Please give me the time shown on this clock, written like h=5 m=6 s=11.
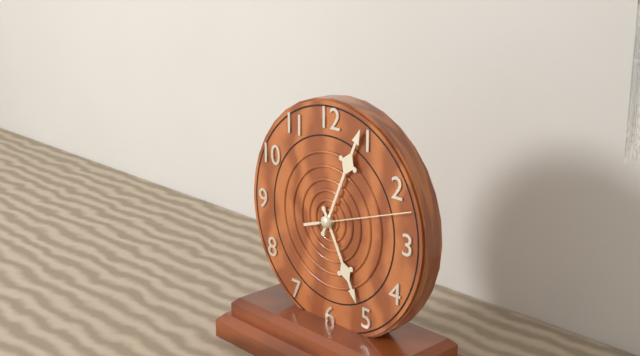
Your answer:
h=5 m=4 s=12
